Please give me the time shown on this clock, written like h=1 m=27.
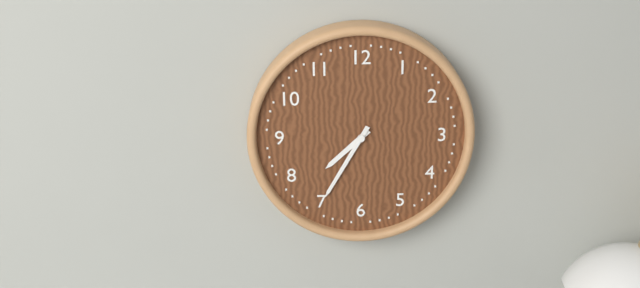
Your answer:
h=7 m=35
